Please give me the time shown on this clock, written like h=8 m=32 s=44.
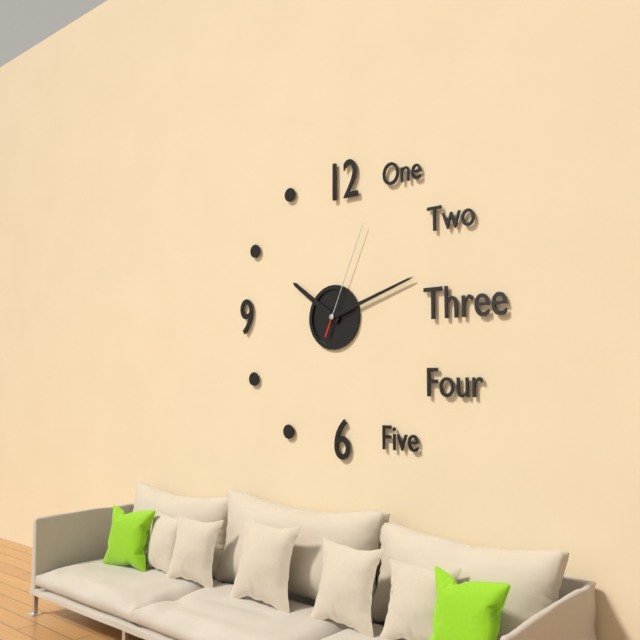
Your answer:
h=10 m=12 s=4
